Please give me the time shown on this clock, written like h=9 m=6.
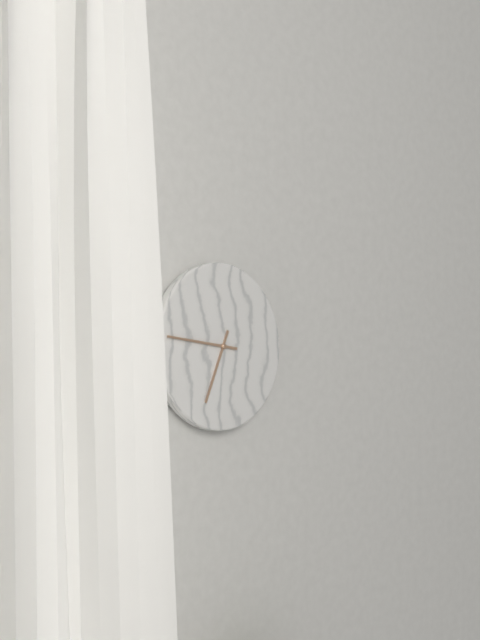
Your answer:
h=6 m=46
